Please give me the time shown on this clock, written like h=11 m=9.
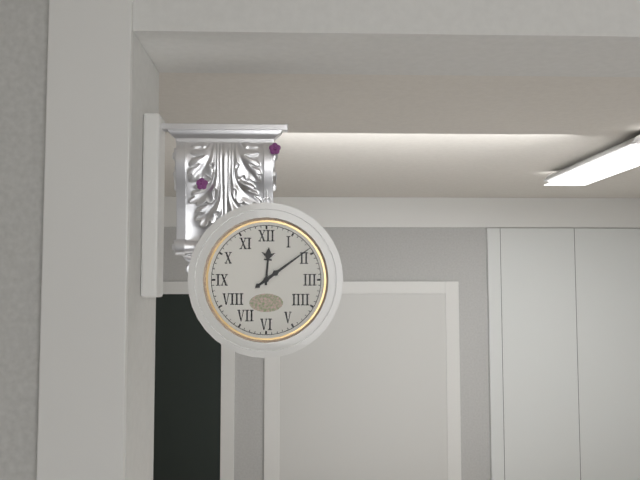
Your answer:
h=12 m=9
